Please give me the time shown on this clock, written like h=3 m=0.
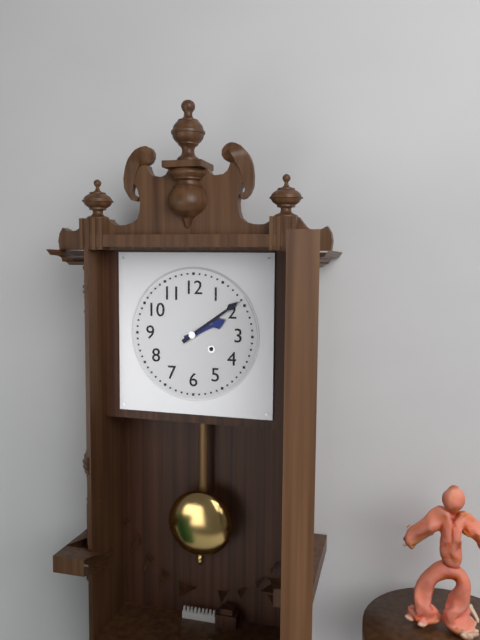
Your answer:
h=2 m=9
